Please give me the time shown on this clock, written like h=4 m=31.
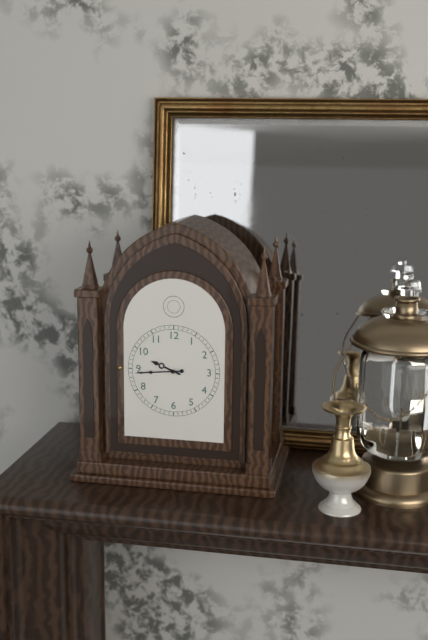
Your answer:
h=9 m=44
